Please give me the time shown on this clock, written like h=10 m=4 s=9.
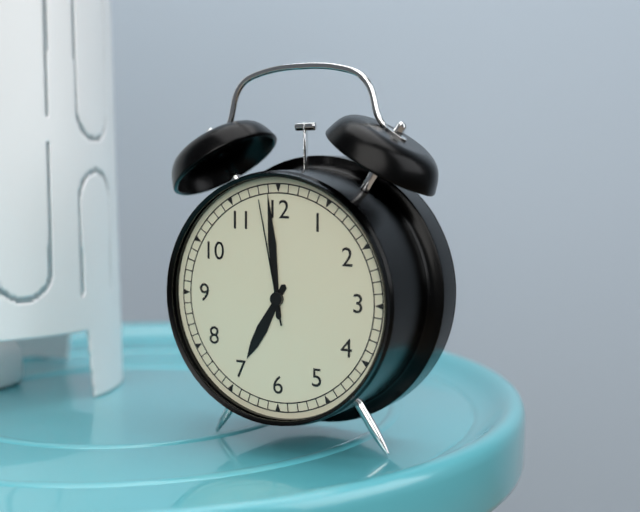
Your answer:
h=6 m=59 s=58
